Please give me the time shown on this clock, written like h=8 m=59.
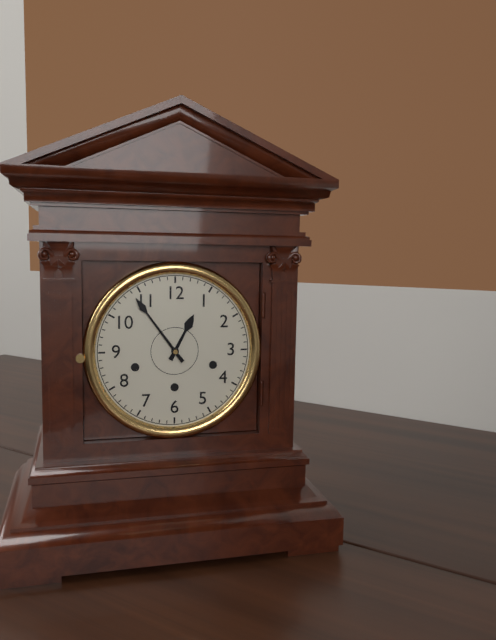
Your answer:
h=12 m=54
